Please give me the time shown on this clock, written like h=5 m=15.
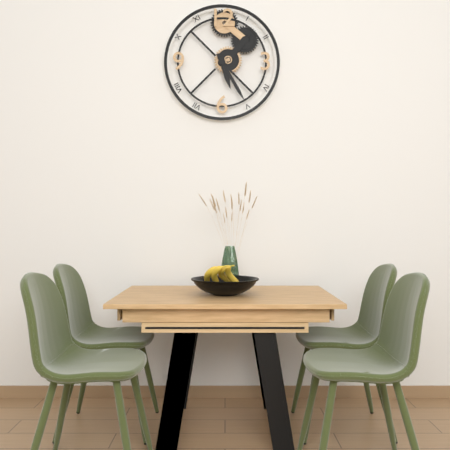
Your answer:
h=5 m=25
